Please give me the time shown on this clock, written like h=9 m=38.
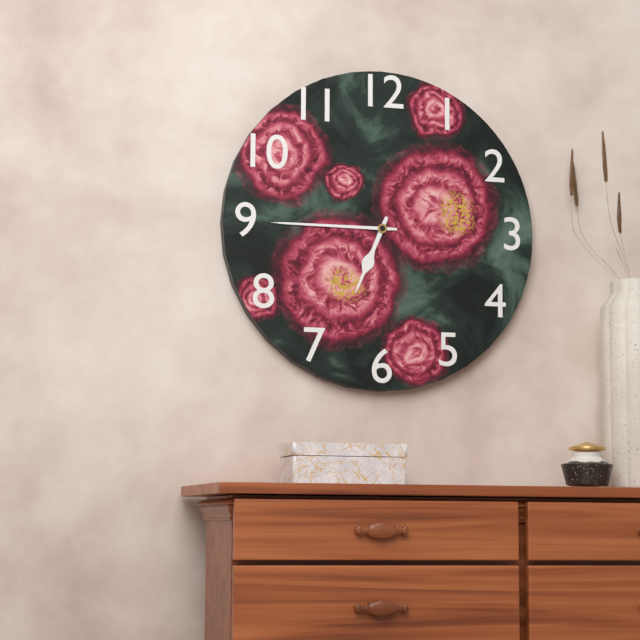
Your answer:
h=6 m=45
